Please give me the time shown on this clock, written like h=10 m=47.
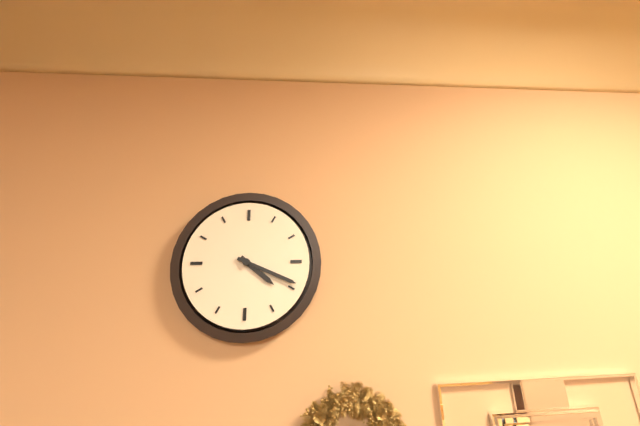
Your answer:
h=4 m=19
